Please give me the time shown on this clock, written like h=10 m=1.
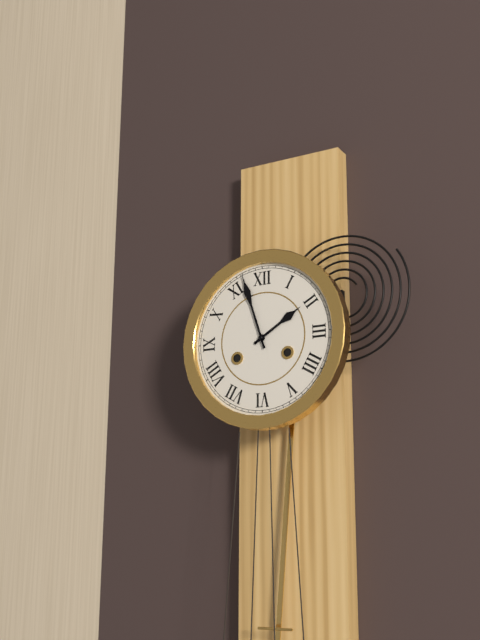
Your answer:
h=1 m=57
